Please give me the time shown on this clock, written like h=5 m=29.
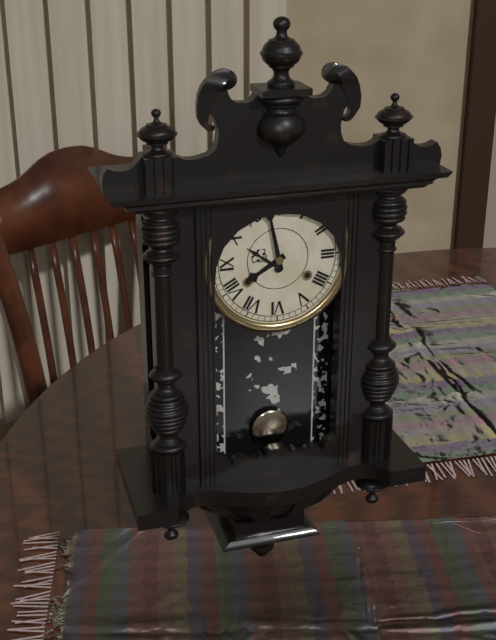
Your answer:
h=7 m=58
